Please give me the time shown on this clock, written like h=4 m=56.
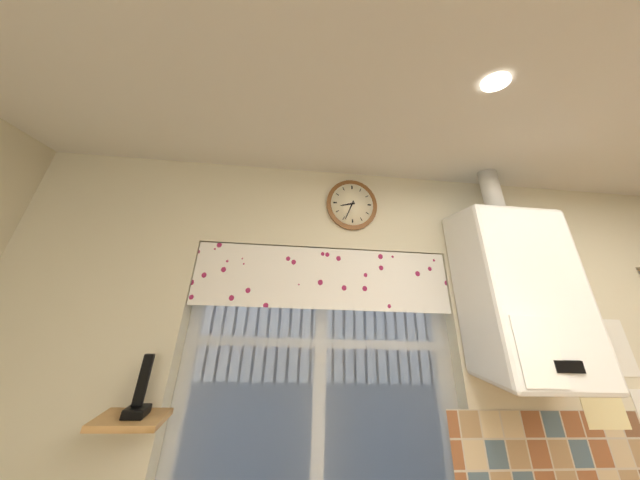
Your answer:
h=8 m=34
